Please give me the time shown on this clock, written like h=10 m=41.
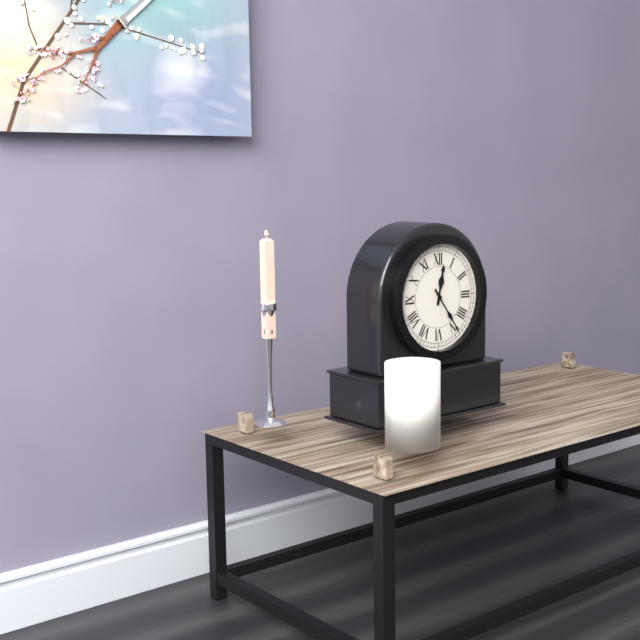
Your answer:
h=12 m=24
